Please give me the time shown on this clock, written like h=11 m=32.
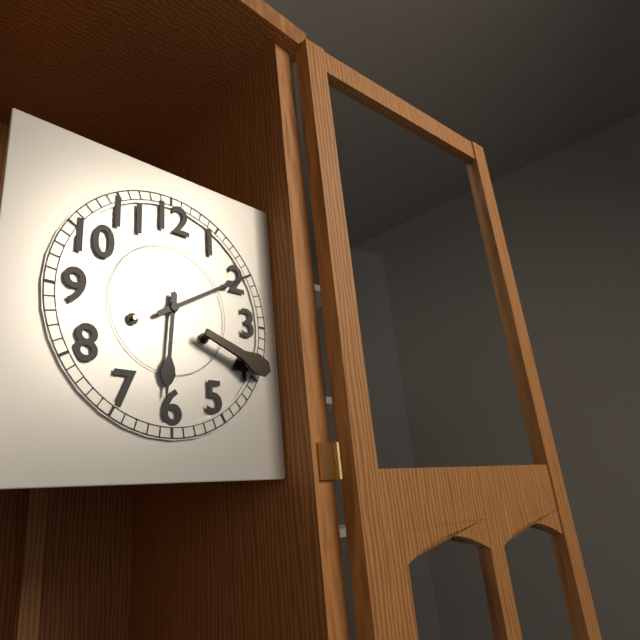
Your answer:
h=6 m=10
